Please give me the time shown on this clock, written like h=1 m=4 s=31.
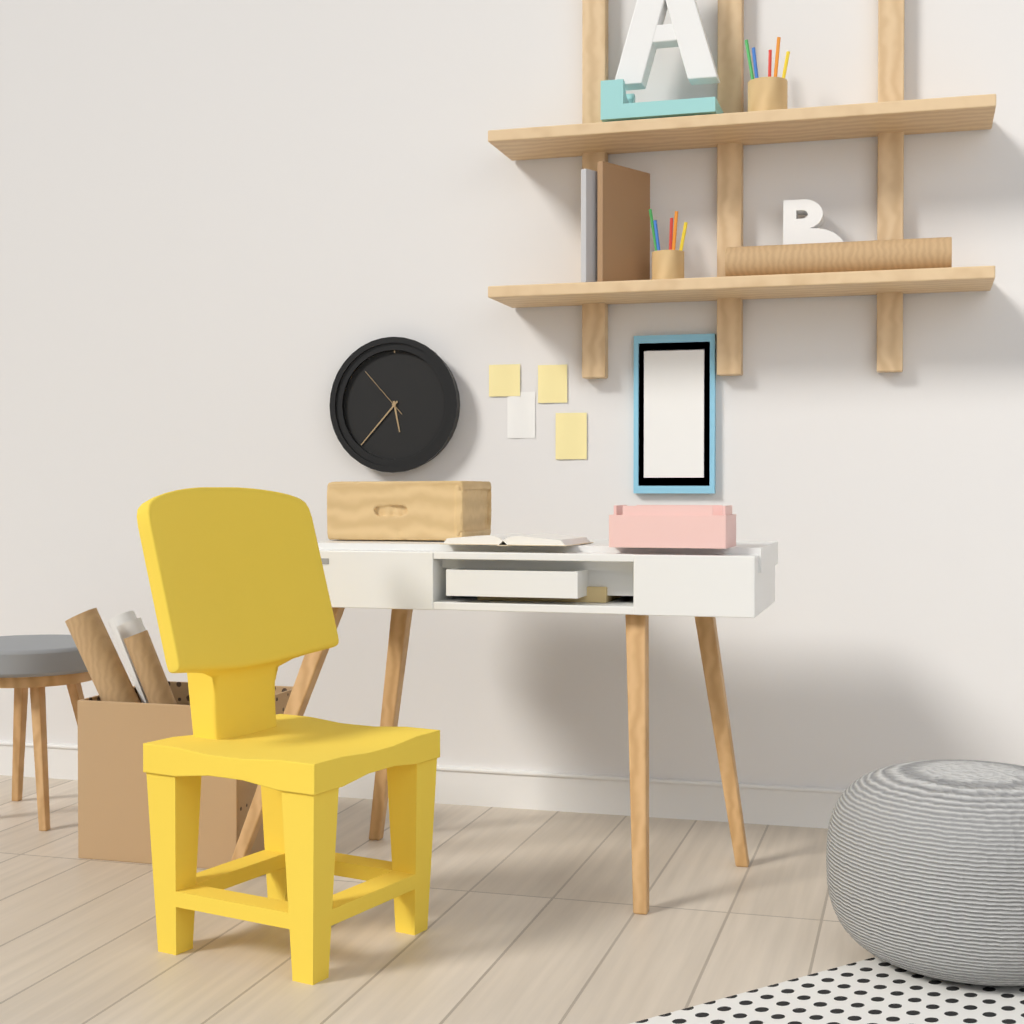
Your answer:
h=5 m=37 s=53
